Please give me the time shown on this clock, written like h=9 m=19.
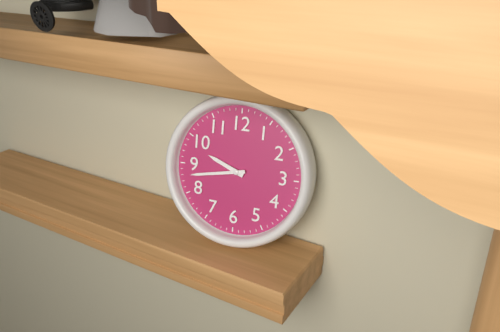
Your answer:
h=9 m=43
